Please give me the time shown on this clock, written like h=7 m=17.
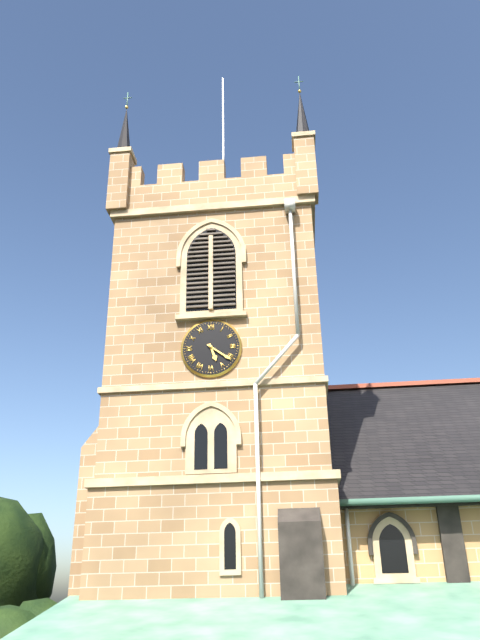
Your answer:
h=5 m=21
